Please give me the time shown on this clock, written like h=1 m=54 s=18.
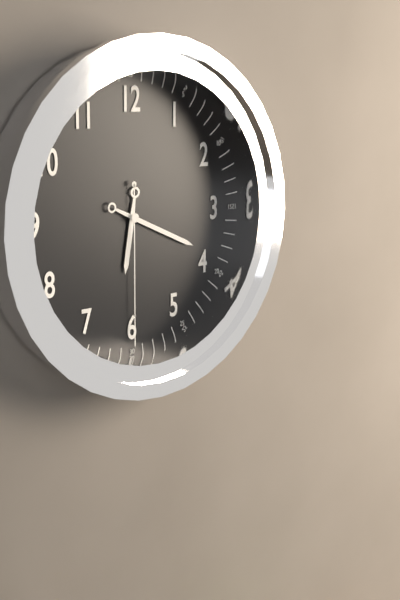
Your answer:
h=6 m=19 s=30
